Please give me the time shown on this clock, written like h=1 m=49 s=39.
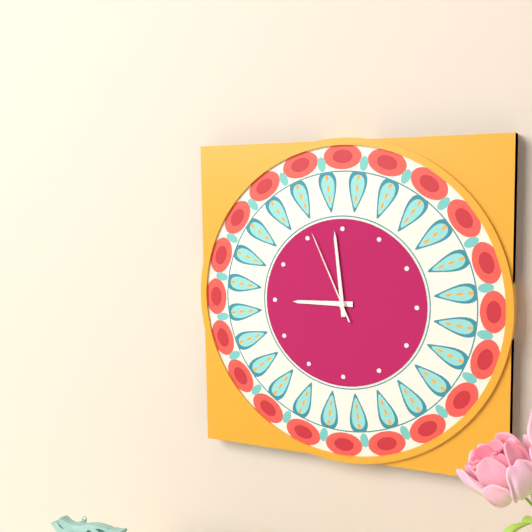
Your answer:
h=8 m=59 s=56
